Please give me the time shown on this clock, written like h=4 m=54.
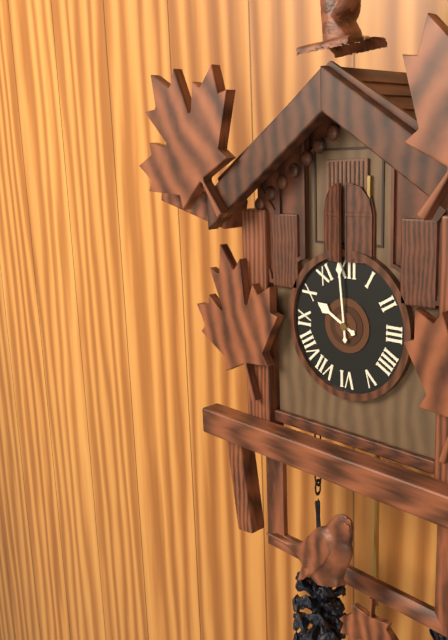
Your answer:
h=9 m=59
